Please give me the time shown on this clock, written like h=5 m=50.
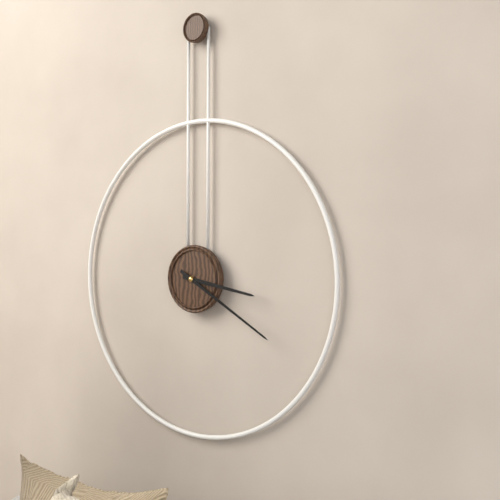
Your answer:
h=3 m=20
